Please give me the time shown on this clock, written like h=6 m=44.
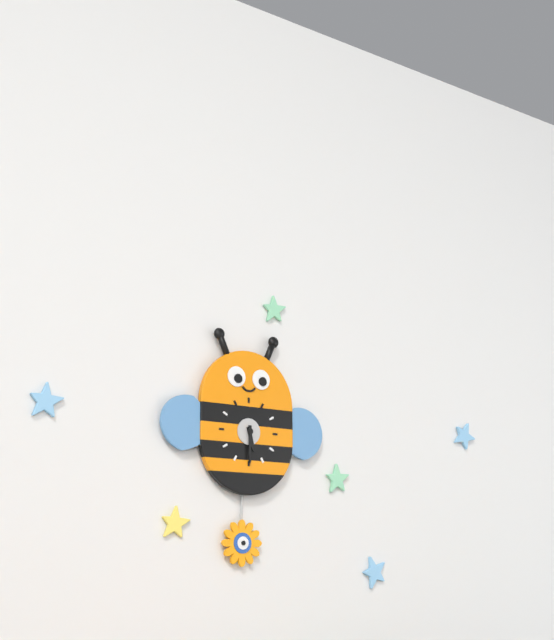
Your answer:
h=5 m=30
